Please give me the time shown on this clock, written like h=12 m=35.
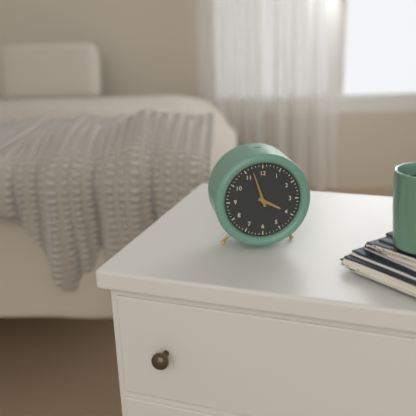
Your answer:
h=3 m=57
